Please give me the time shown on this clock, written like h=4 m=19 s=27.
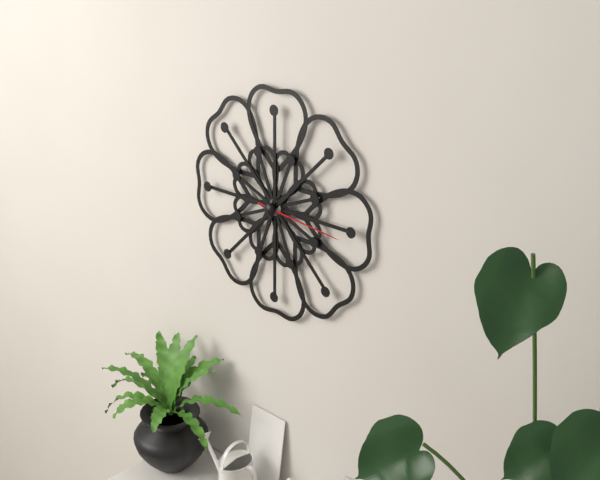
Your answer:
h=1 m=33 s=16
